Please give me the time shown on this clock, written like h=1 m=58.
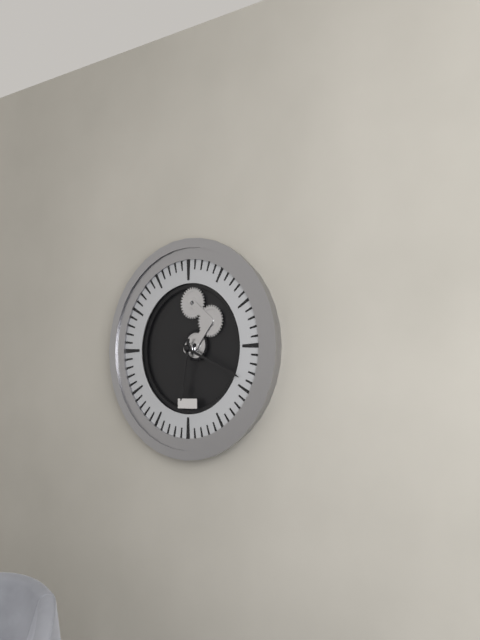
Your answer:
h=6 m=19
